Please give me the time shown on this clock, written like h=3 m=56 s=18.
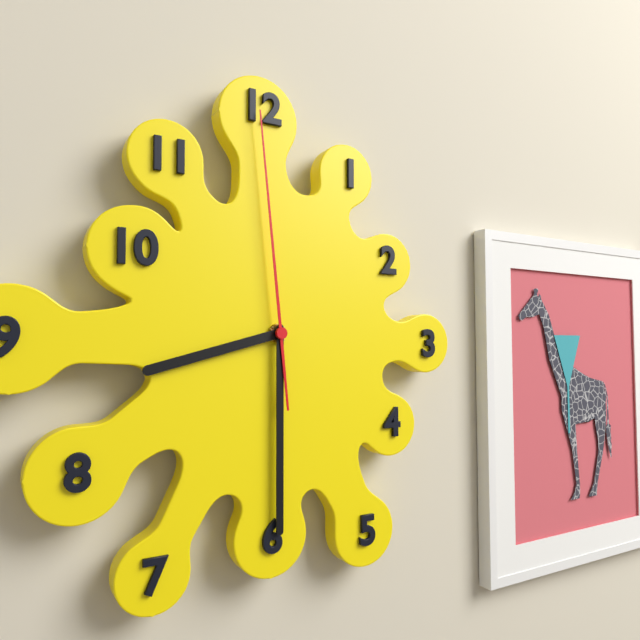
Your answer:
h=8 m=30 s=59
